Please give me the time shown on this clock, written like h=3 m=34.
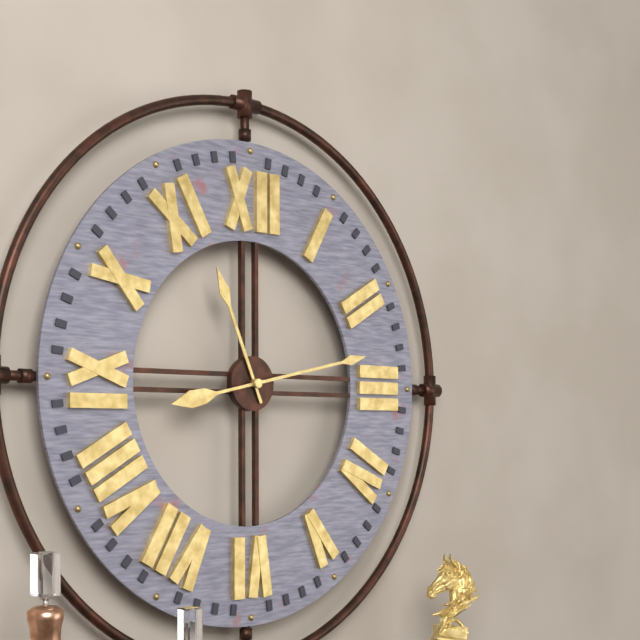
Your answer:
h=11 m=13
